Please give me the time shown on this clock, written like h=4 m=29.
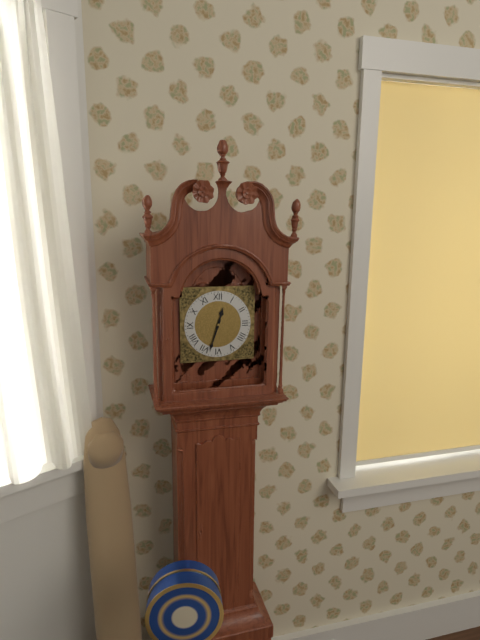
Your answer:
h=12 m=33
